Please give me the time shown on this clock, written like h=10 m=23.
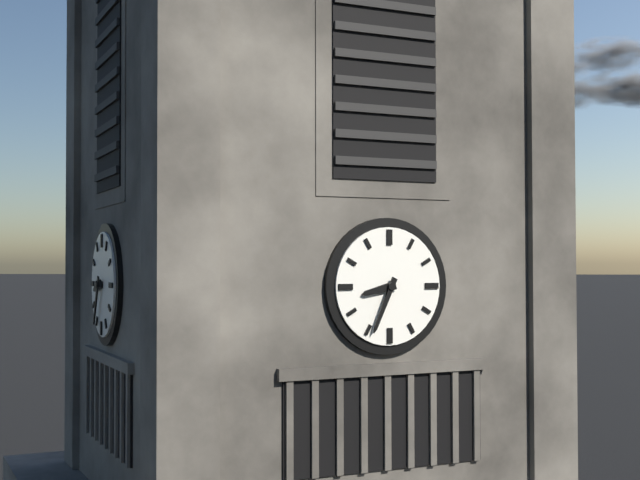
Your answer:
h=8 m=34
